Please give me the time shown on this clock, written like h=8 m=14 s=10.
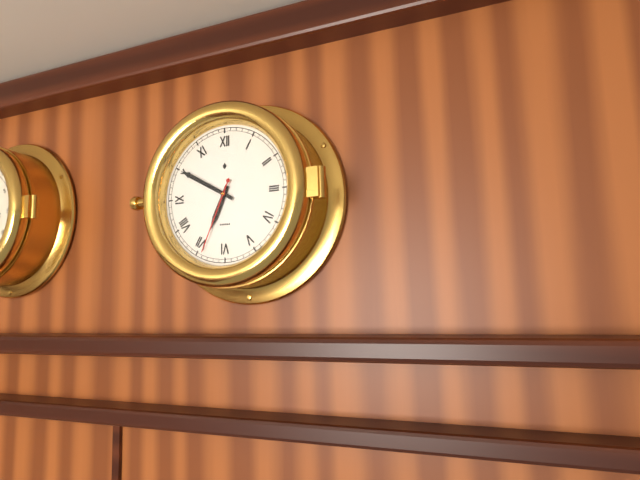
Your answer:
h=6 m=50 s=34
